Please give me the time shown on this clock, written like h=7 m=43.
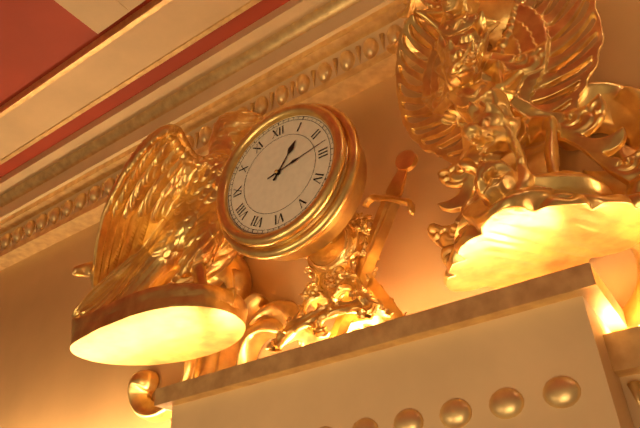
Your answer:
h=1 m=13
